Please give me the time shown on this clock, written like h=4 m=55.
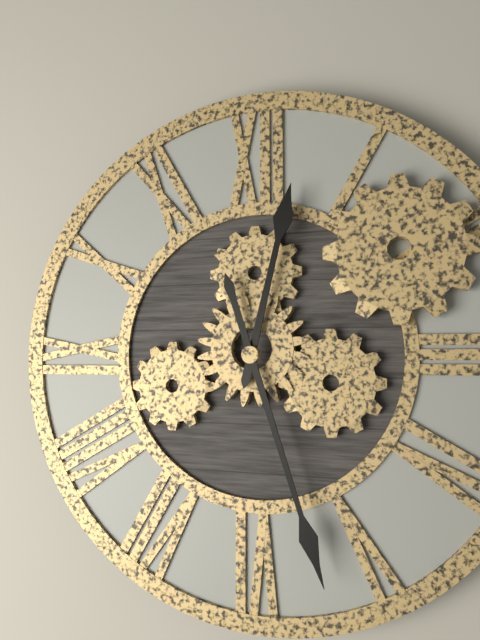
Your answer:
h=12 m=27
